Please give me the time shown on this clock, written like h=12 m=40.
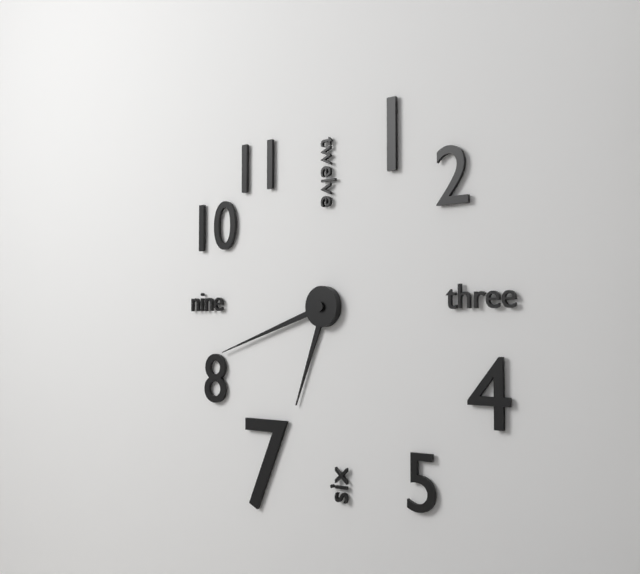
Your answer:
h=6 m=42
